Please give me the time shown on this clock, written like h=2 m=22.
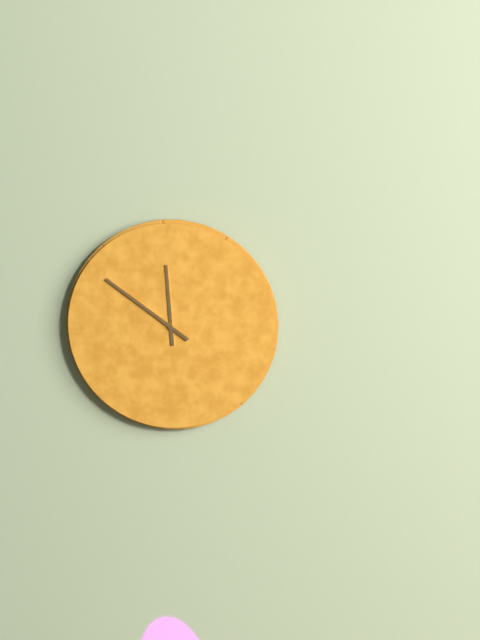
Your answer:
h=11 m=51
